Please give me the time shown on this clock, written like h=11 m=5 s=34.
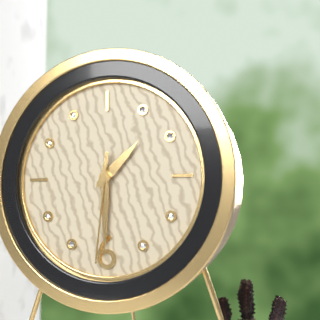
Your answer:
h=1 m=30 s=31
